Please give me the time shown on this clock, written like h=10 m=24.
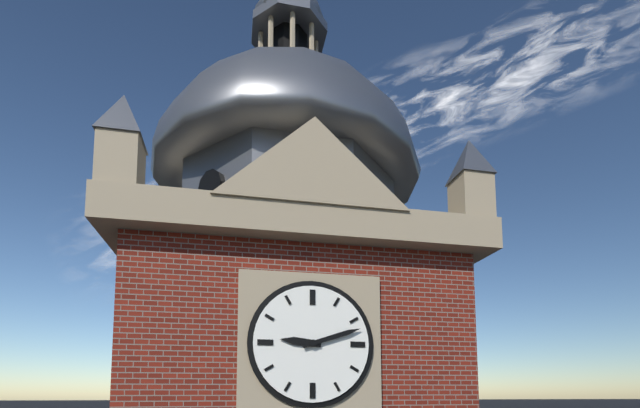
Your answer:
h=9 m=12
